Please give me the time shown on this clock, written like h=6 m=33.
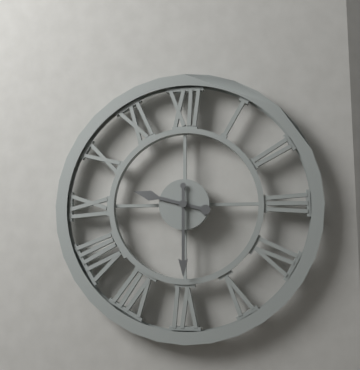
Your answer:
h=9 m=30
